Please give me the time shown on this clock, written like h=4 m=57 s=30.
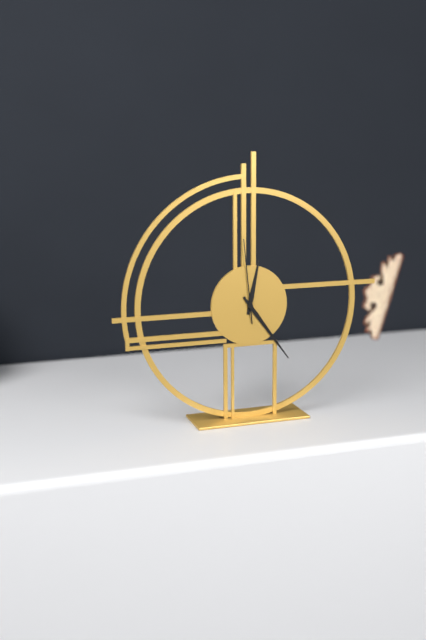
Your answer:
h=12 m=24 s=59
